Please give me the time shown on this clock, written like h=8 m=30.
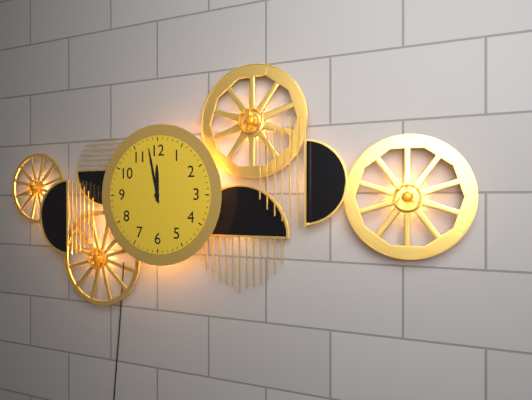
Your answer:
h=11 m=58
